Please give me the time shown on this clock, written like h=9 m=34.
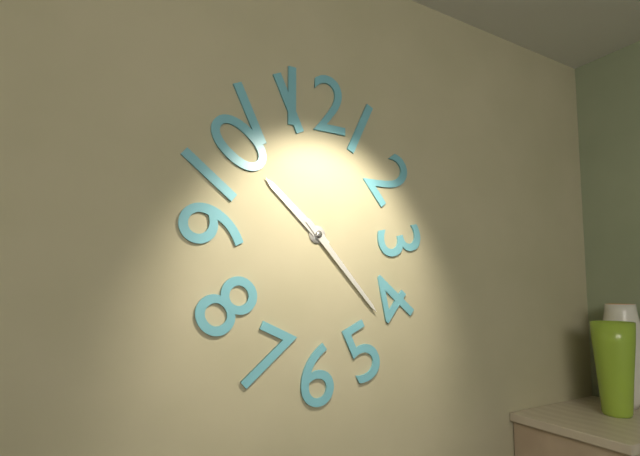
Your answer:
h=10 m=23
